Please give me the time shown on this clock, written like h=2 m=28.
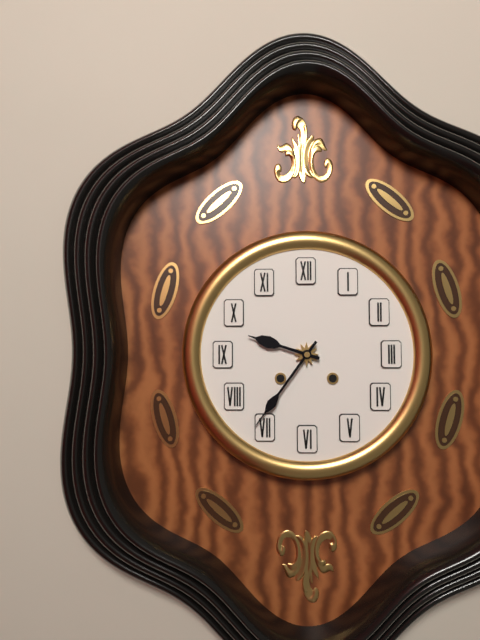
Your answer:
h=9 m=36
